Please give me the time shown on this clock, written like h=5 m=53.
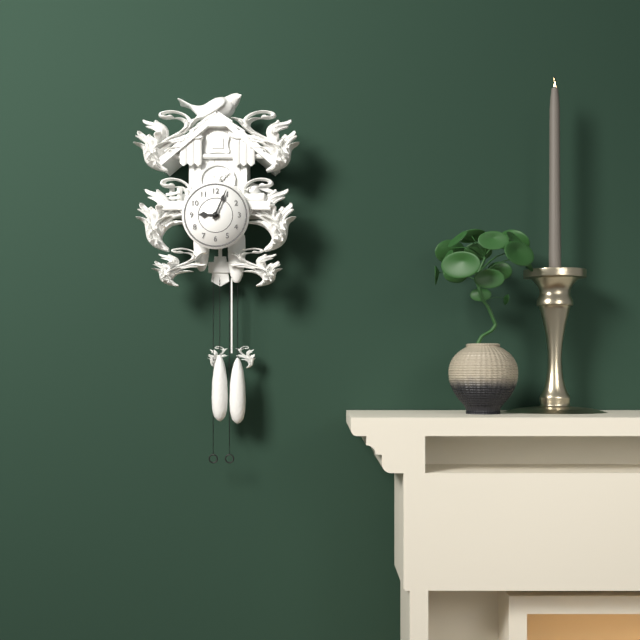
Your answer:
h=9 m=4
